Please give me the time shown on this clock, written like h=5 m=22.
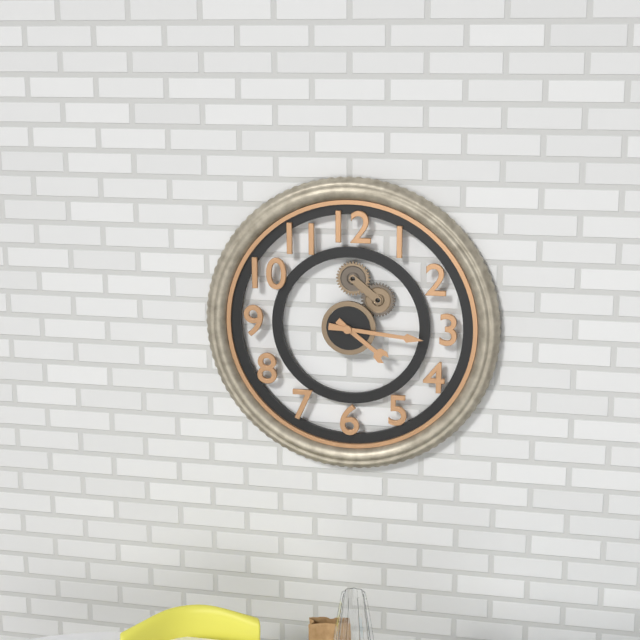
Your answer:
h=4 m=16
